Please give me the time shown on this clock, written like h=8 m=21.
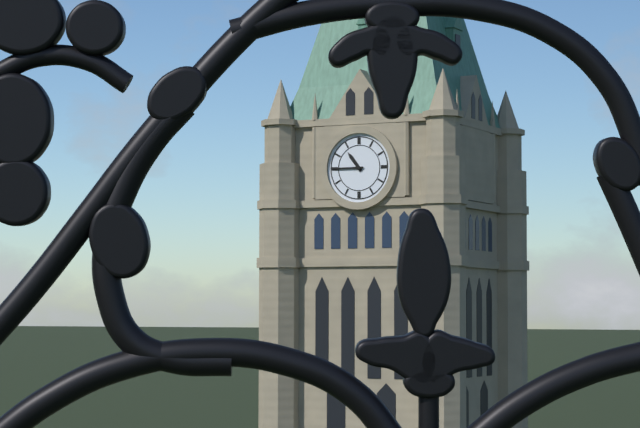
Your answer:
h=10 m=45
